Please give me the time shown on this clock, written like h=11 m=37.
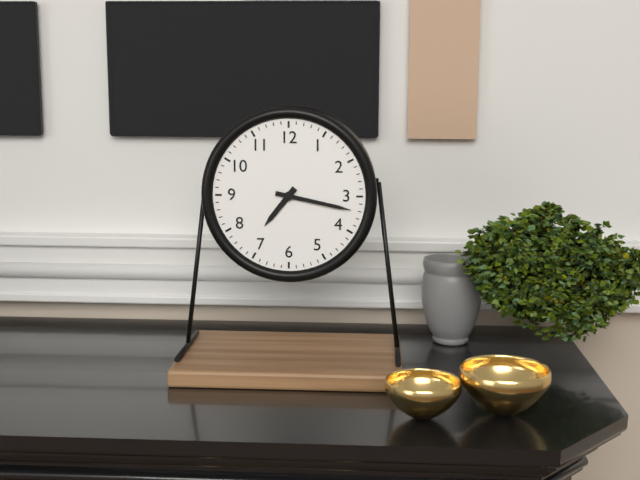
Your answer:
h=7 m=17
